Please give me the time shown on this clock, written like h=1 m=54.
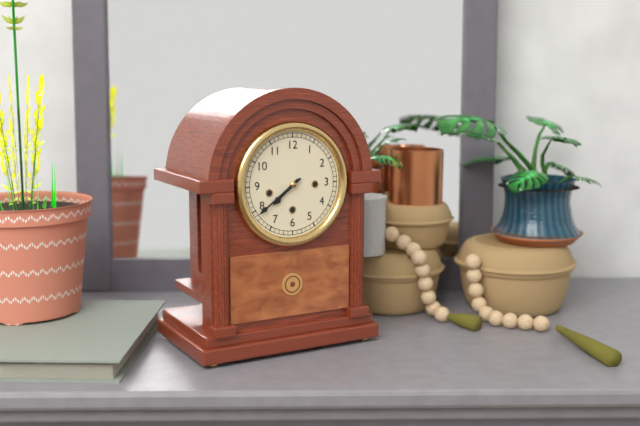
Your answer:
h=7 m=39
